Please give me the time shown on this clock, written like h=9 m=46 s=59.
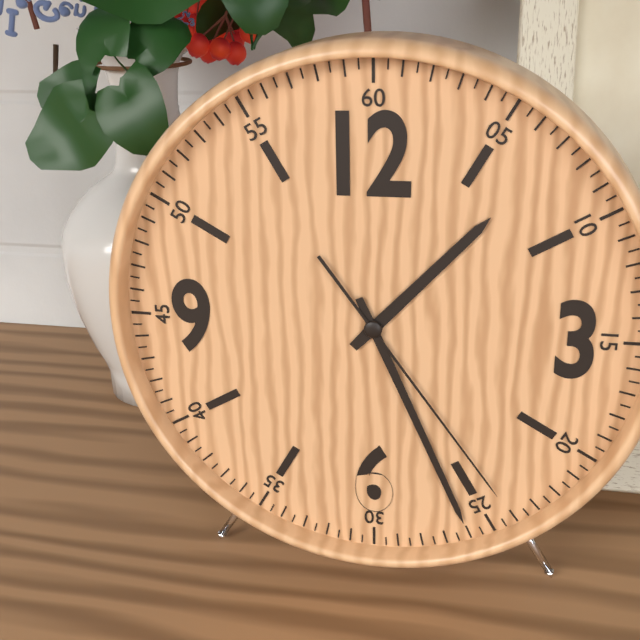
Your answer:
h=1 m=26 s=24
